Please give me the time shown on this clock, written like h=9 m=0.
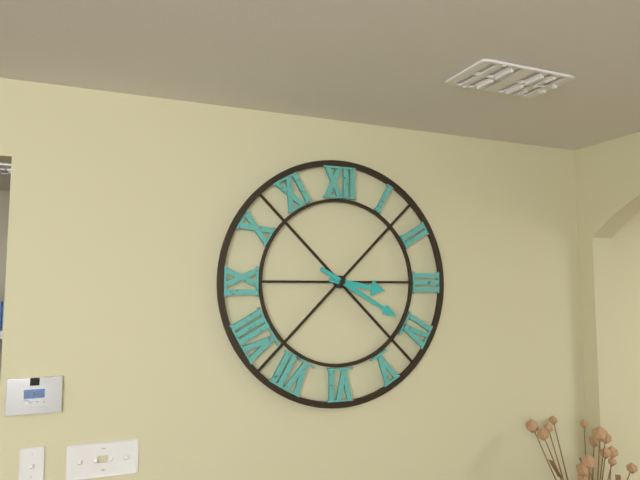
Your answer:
h=3 m=20
